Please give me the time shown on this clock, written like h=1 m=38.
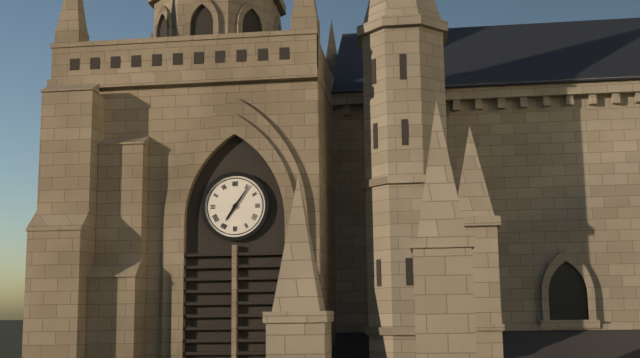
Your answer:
h=7 m=6
